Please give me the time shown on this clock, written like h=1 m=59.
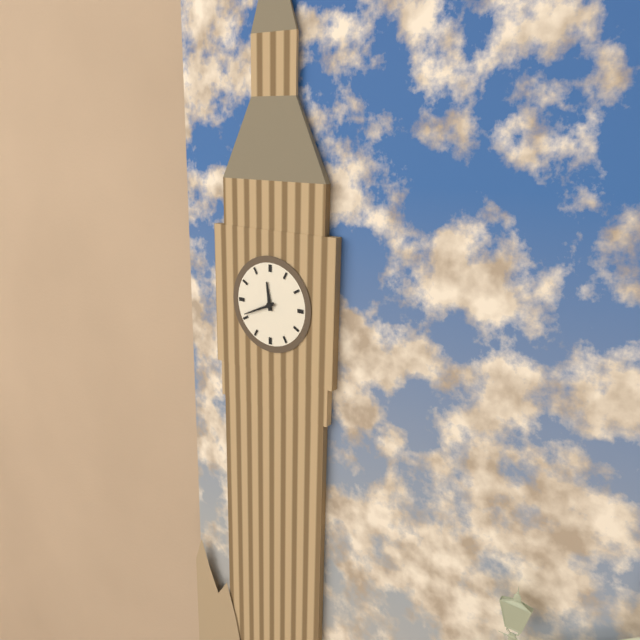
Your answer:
h=11 m=41
